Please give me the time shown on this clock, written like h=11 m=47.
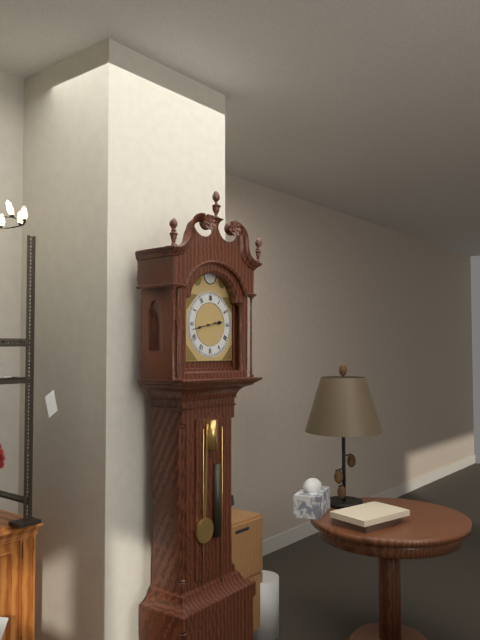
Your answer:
h=2 m=43
